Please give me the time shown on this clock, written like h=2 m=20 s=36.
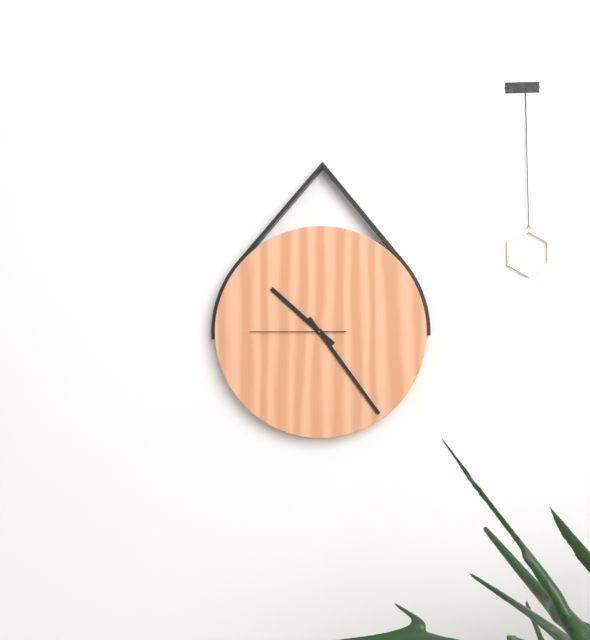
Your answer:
h=10 m=24 s=45
